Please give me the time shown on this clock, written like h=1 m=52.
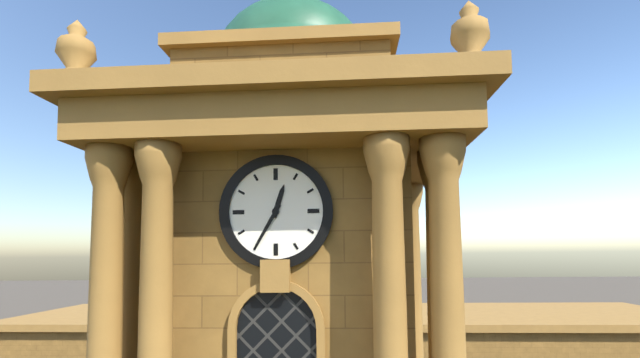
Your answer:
h=12 m=35
